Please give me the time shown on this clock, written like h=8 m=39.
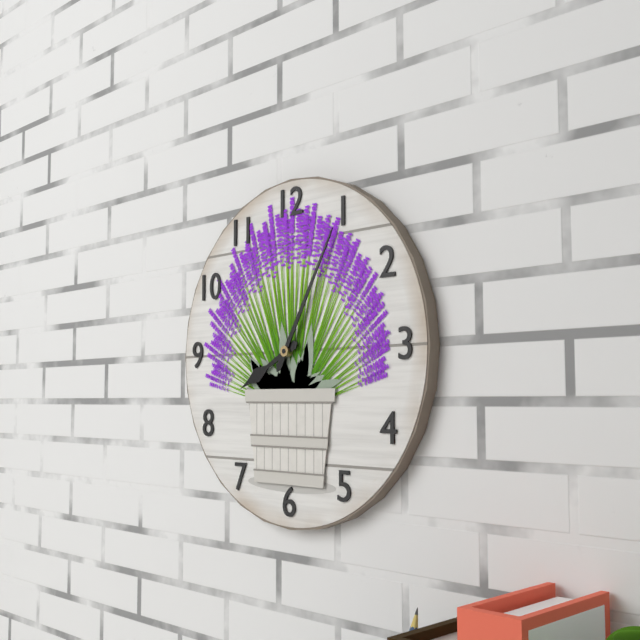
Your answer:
h=8 m=5
